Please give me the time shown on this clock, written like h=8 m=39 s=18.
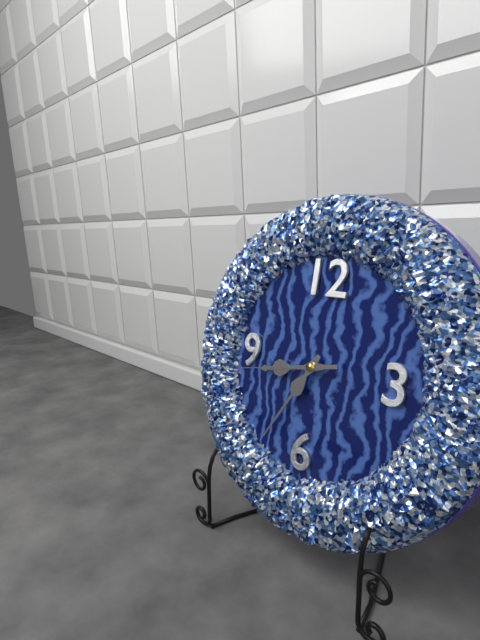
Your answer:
h=8 m=35 s=43
